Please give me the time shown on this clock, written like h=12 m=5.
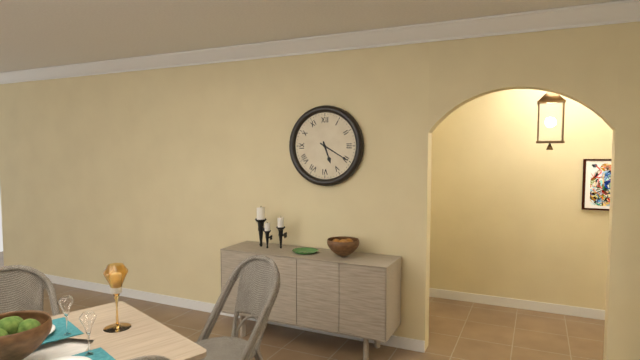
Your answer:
h=5 m=20
